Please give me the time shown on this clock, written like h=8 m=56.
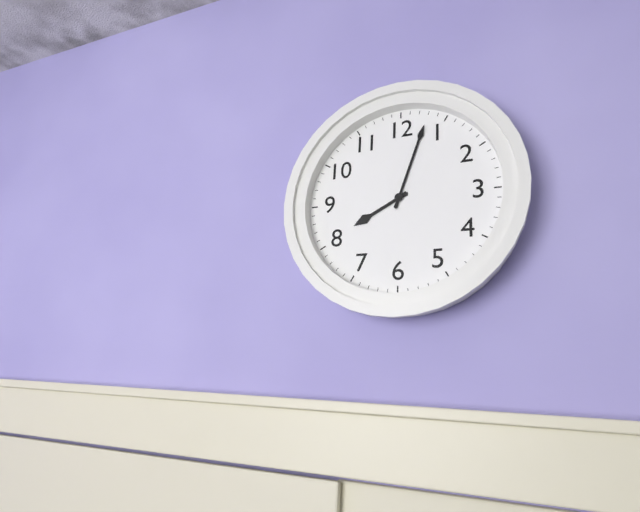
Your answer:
h=8 m=3
